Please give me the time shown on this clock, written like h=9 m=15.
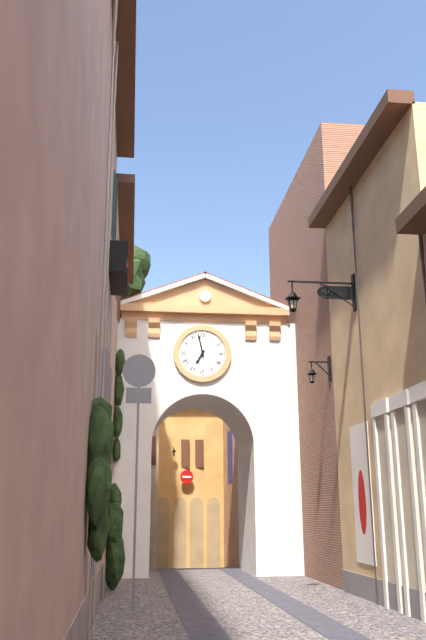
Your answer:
h=6 m=58
